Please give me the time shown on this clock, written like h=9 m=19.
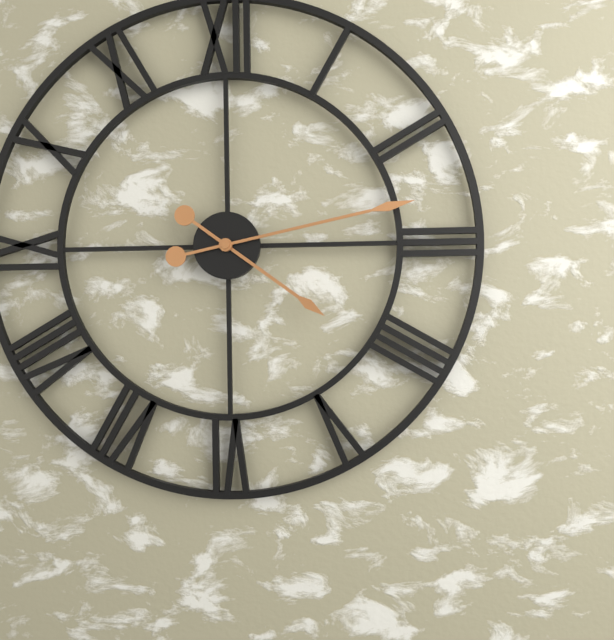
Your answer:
h=4 m=13
